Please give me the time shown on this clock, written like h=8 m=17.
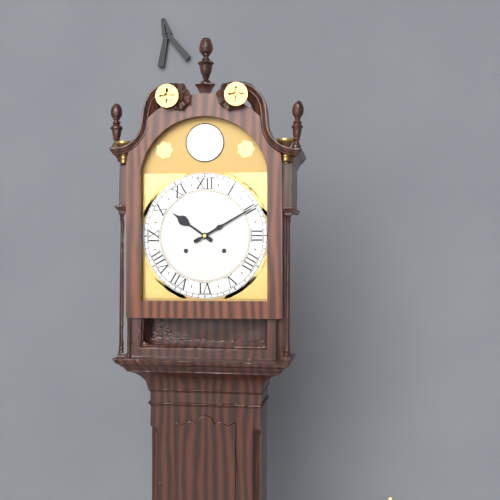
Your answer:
h=10 m=10
